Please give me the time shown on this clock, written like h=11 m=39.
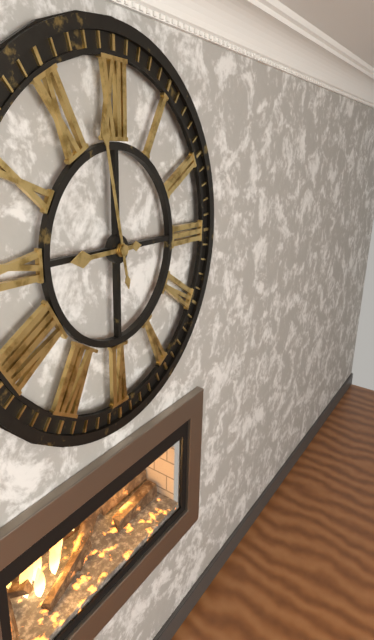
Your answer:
h=8 m=58
